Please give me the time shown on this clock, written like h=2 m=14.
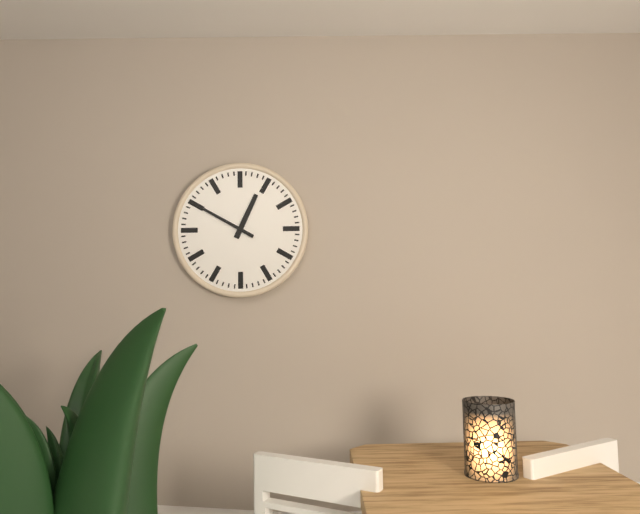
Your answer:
h=12 m=50
